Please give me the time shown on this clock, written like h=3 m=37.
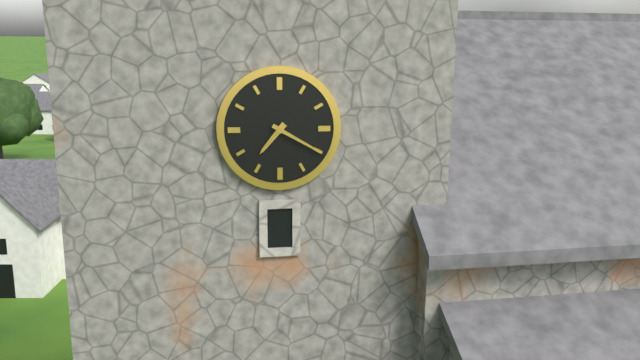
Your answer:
h=7 m=20
